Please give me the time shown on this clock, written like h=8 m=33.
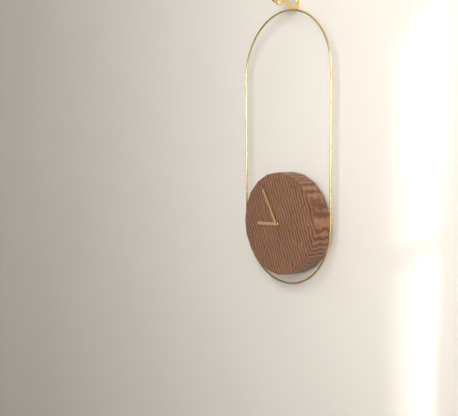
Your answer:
h=8 m=55
